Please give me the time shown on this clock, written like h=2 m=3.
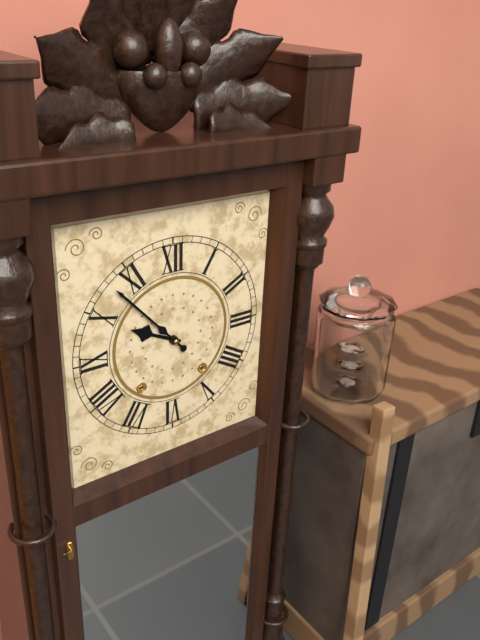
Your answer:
h=9 m=53
